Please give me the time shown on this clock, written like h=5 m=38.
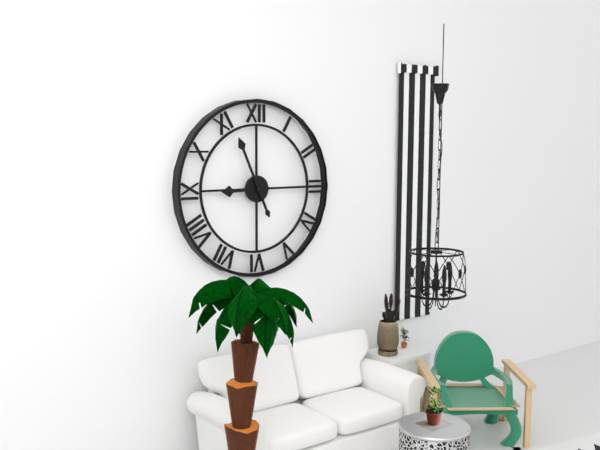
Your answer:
h=8 m=56
